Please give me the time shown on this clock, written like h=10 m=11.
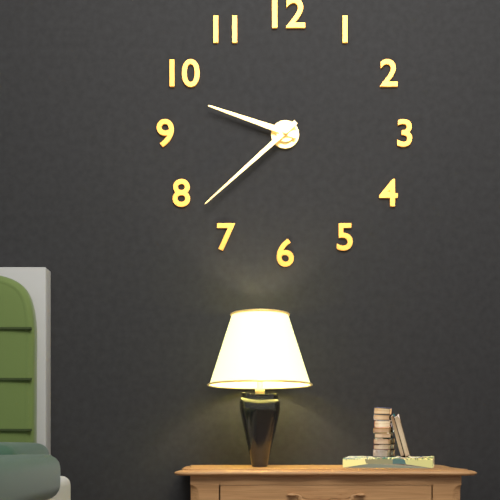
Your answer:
h=9 m=38
